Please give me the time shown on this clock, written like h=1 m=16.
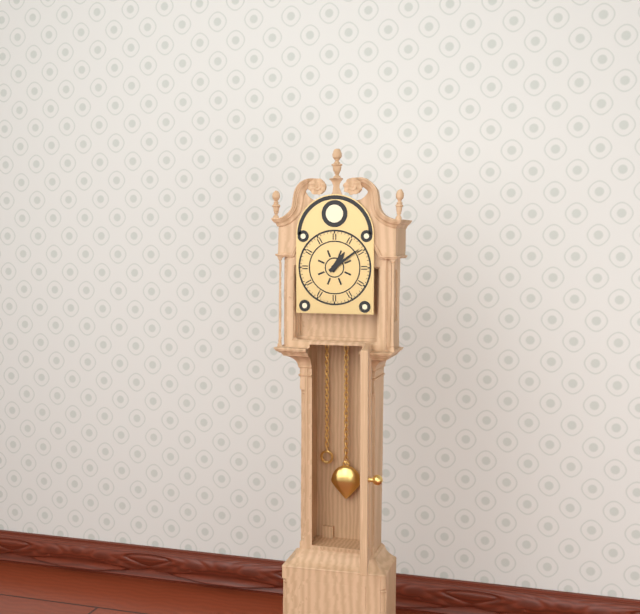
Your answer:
h=1 m=9
